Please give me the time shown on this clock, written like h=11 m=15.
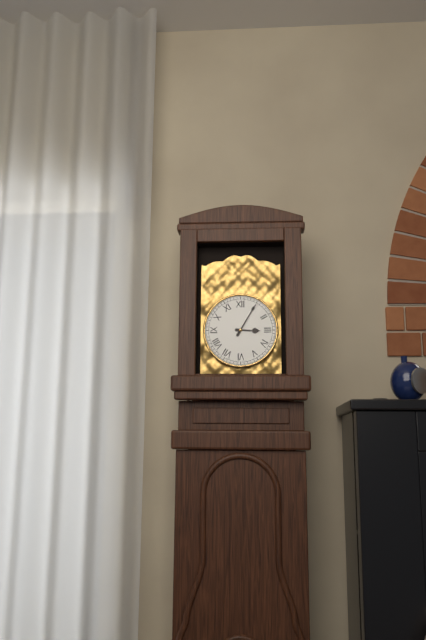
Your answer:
h=3 m=5
